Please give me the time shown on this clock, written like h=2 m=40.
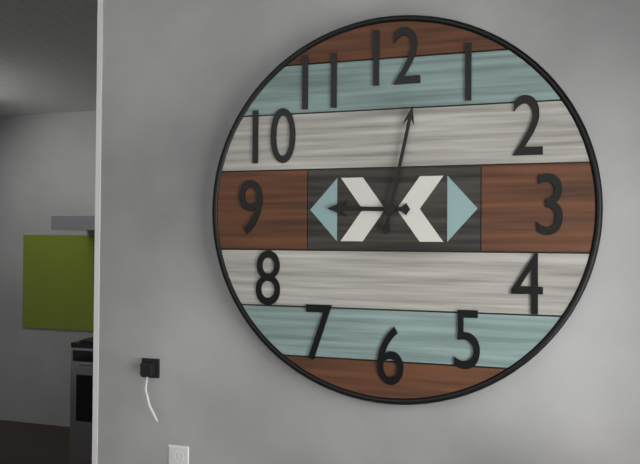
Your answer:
h=9 m=2
